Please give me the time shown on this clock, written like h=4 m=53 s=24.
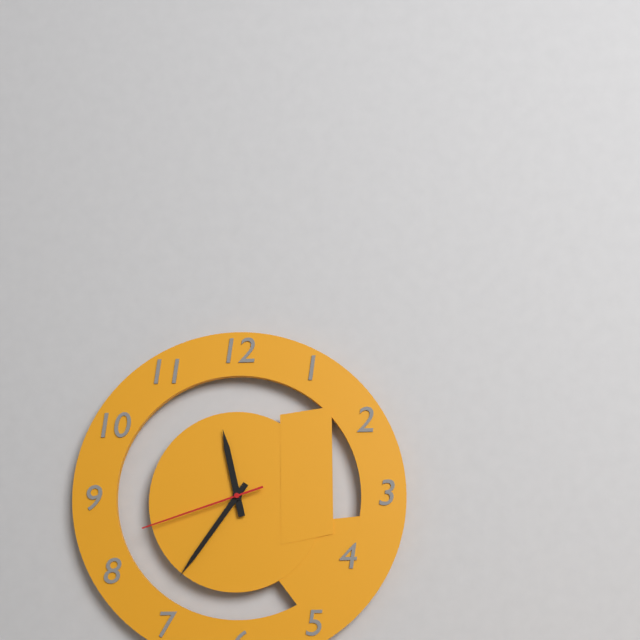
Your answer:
h=11 m=36 s=42
